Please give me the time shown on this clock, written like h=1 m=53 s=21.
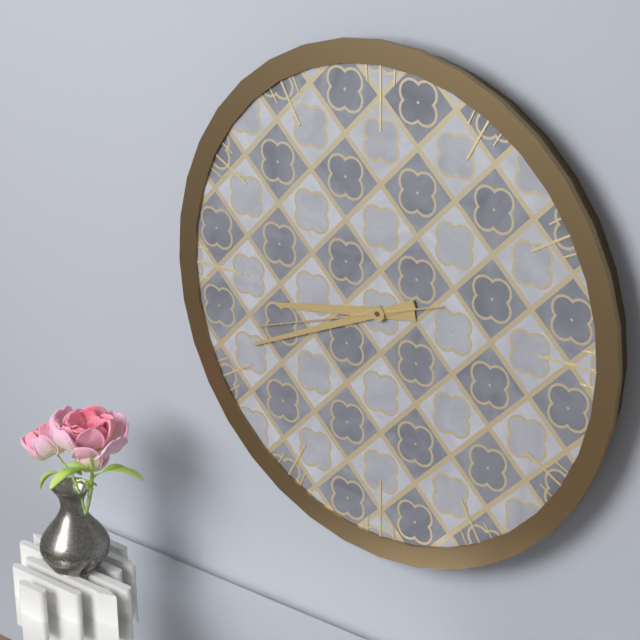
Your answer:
h=8 m=41 s=42
